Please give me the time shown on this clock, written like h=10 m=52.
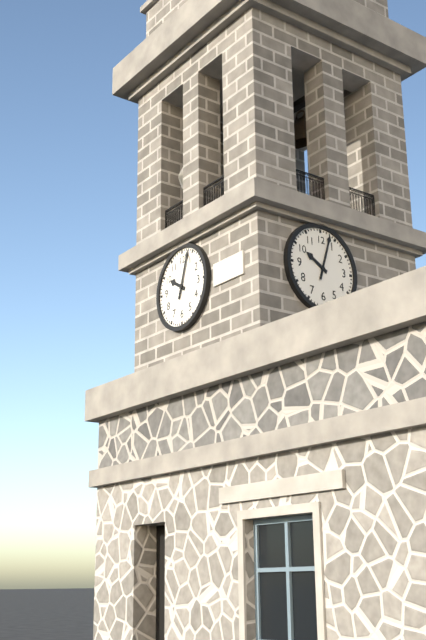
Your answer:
h=10 m=3
